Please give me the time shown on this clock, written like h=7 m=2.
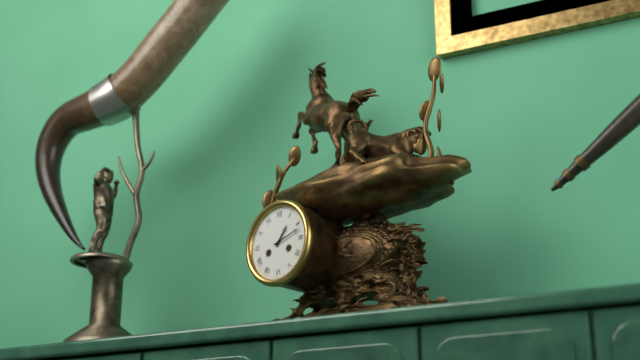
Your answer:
h=1 m=12
